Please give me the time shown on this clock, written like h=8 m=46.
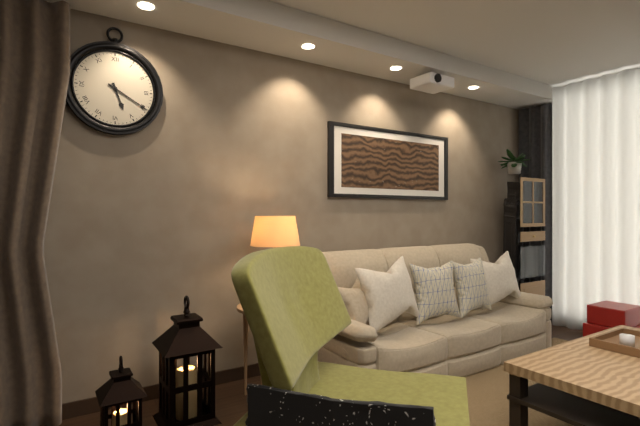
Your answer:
h=5 m=20
